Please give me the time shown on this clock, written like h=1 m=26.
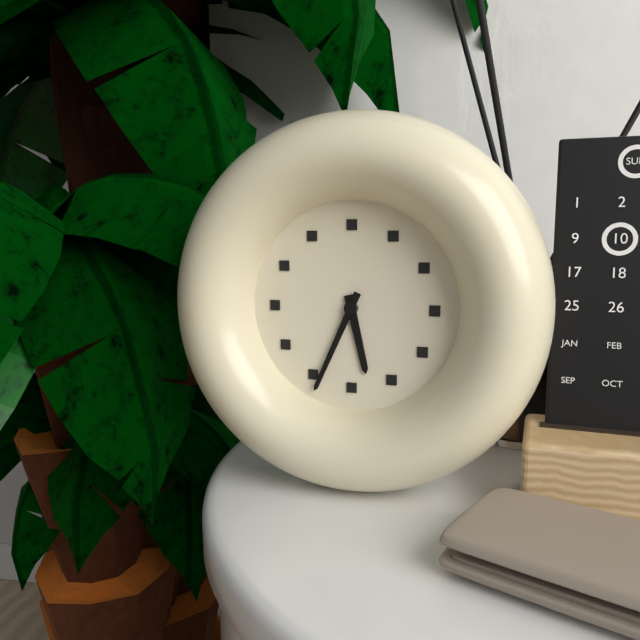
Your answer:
h=5 m=34
